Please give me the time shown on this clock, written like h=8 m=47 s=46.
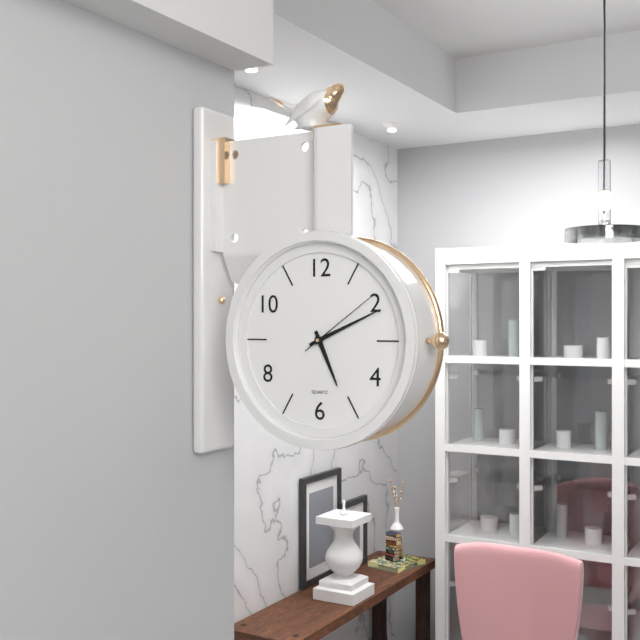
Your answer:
h=5 m=11 s=9
